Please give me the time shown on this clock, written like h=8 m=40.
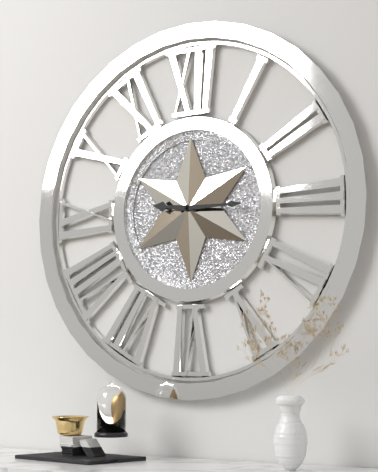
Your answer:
h=9 m=15
